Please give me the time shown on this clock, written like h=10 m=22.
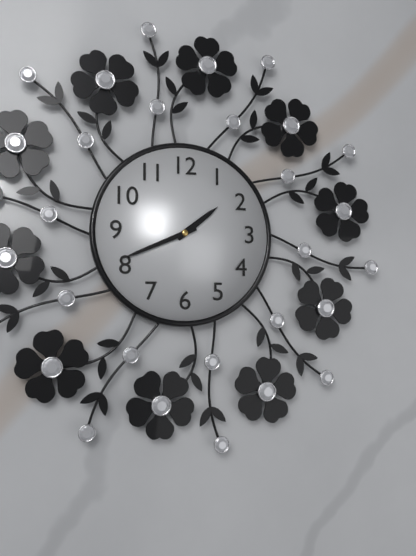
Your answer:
h=1 m=41
